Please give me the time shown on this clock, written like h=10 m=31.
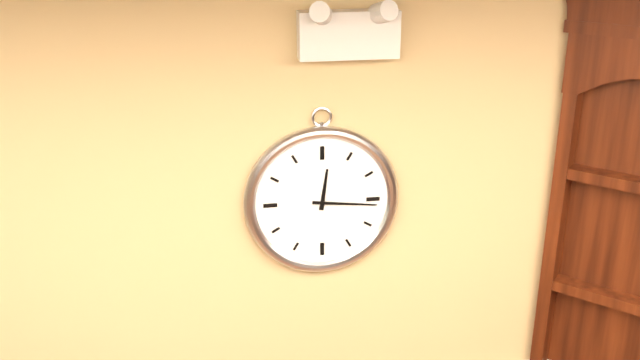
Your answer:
h=12 m=16
